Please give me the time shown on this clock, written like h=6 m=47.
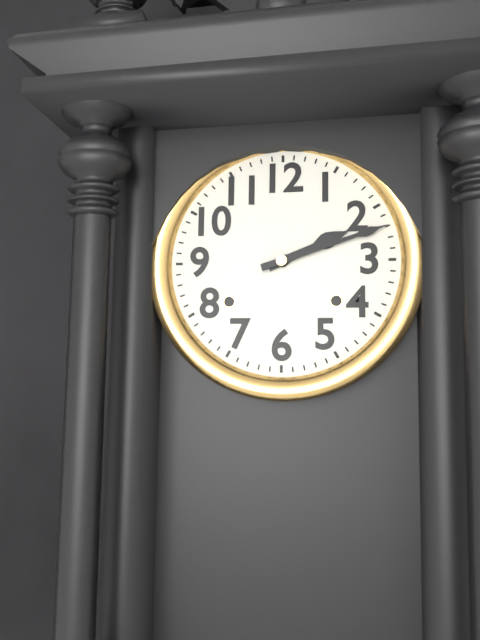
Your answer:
h=2 m=12
